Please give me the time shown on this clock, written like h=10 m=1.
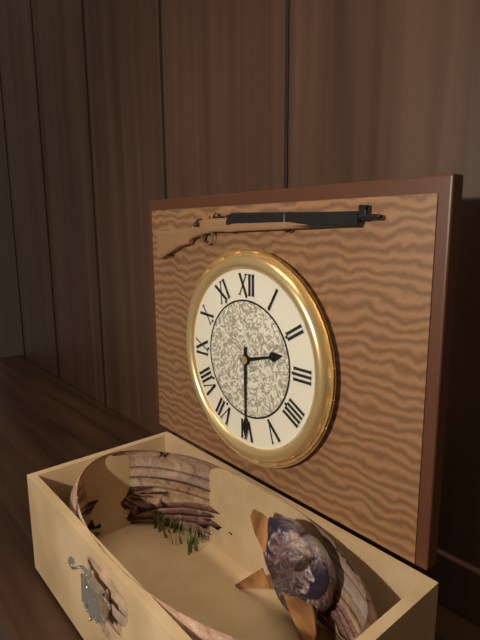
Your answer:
h=2 m=30
